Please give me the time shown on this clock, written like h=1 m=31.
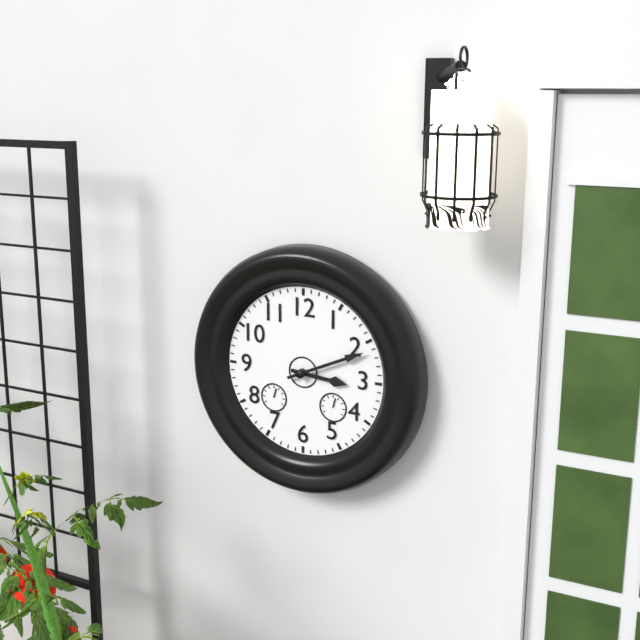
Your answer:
h=3 m=11
